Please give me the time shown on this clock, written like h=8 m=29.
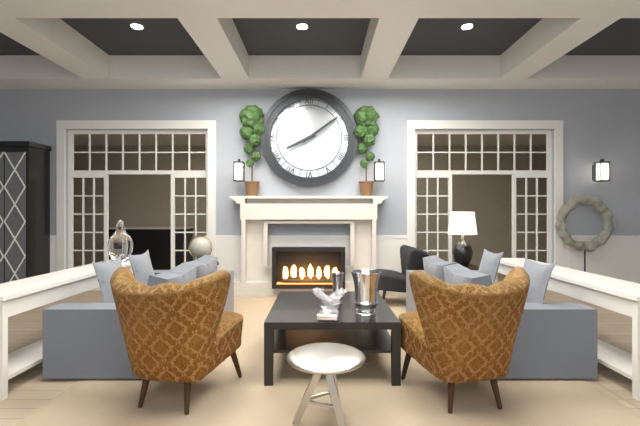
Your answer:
h=8 m=9
